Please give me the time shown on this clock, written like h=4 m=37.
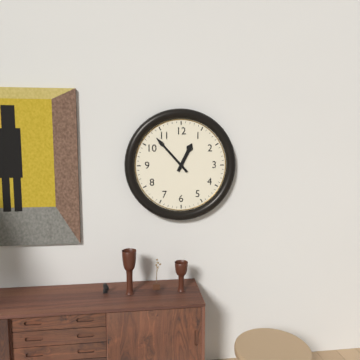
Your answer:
h=12 m=53
